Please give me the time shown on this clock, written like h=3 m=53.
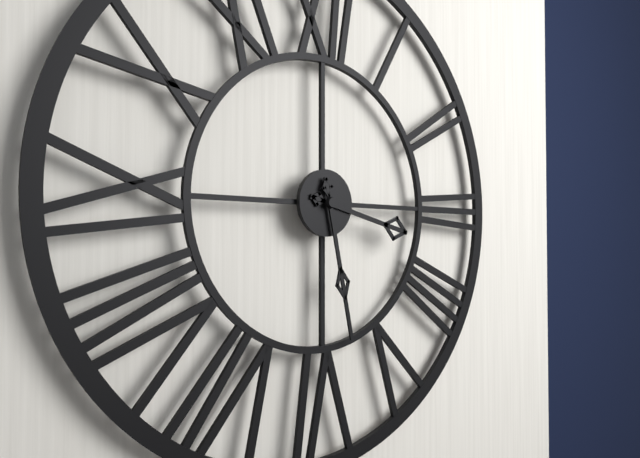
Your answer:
h=3 m=28
